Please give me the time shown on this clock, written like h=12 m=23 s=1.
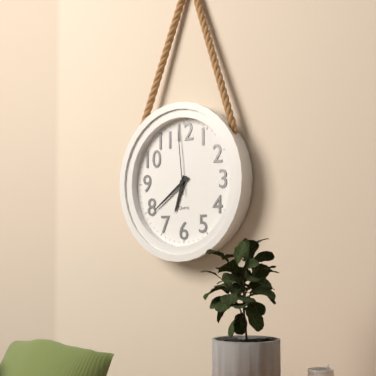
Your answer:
h=6 m=39 s=59
